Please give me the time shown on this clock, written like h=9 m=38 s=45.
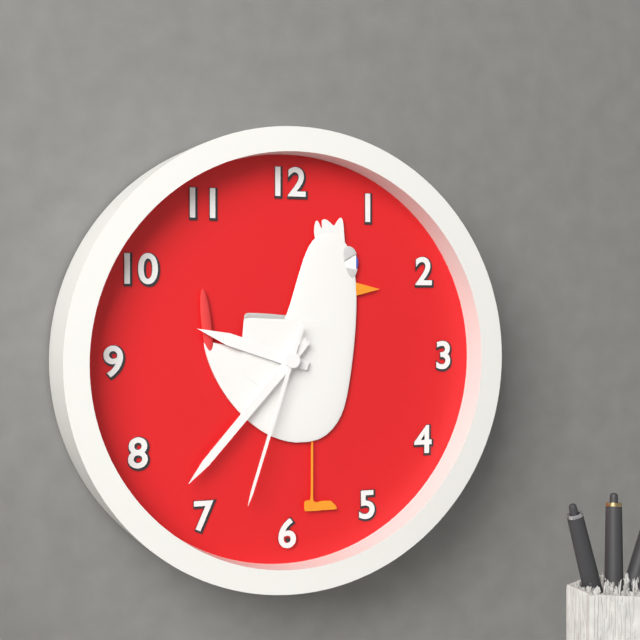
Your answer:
h=9 m=37 s=33
